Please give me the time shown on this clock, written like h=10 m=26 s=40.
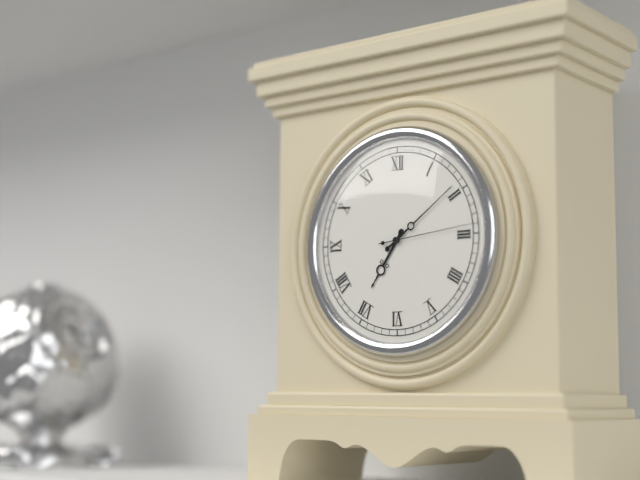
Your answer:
h=7 m=9 s=14
